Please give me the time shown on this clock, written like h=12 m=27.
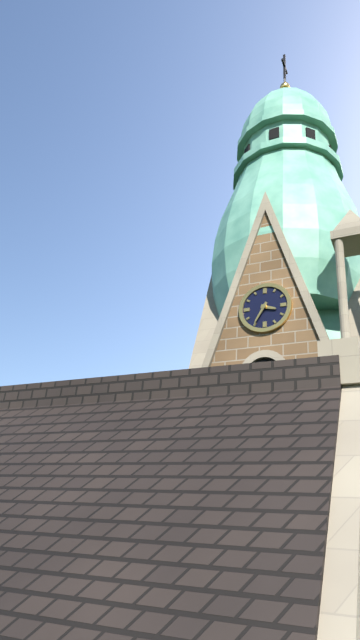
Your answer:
h=3 m=35
